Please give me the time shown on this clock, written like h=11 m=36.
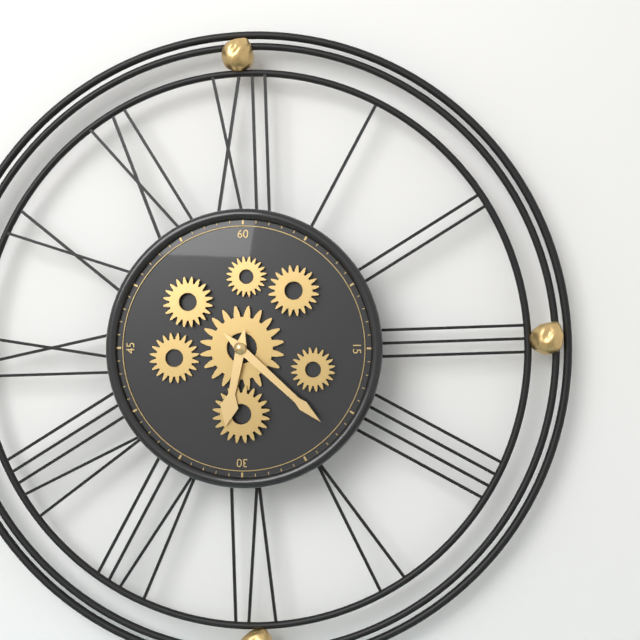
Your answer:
h=6 m=22
